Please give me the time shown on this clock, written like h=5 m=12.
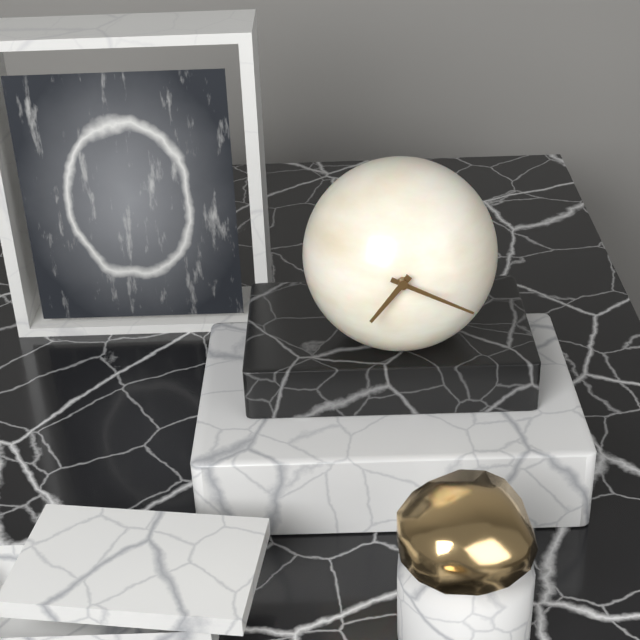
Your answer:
h=7 m=19
